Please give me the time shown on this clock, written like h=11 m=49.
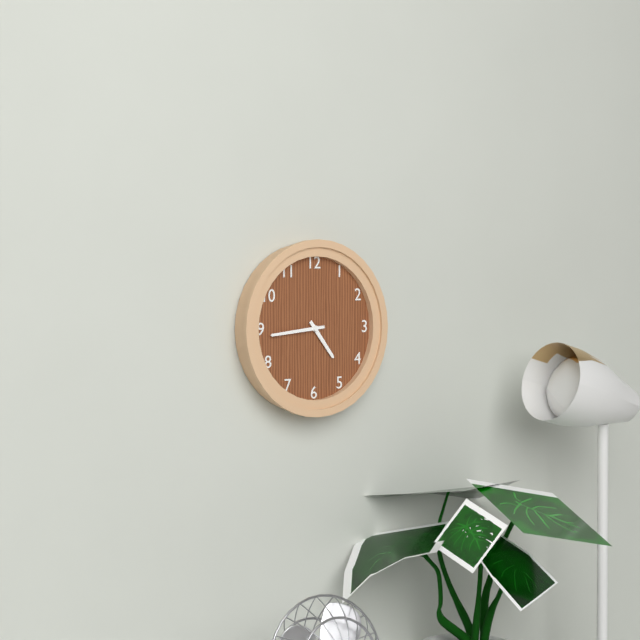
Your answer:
h=4 m=44
